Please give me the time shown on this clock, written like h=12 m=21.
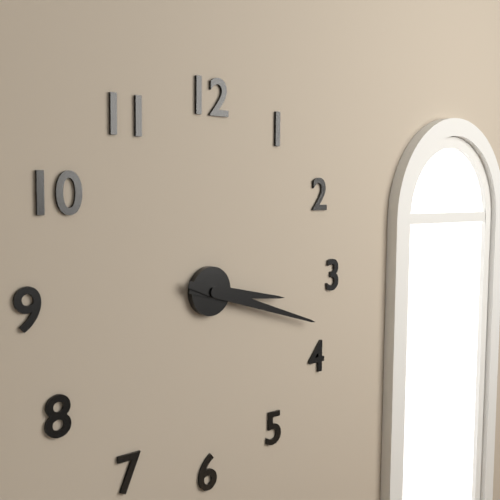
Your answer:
h=3 m=18
